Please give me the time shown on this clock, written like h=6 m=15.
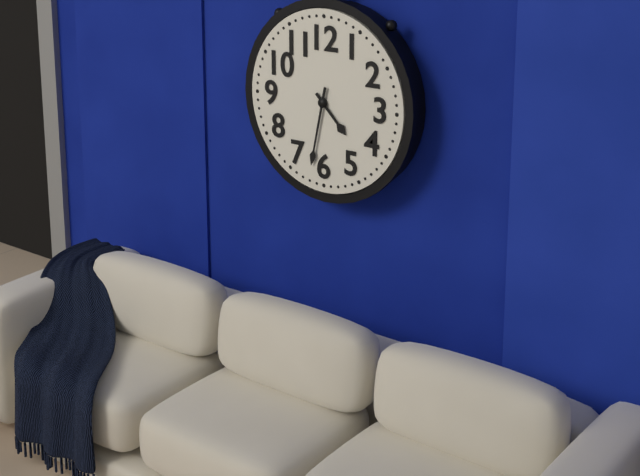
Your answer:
h=4 m=32
